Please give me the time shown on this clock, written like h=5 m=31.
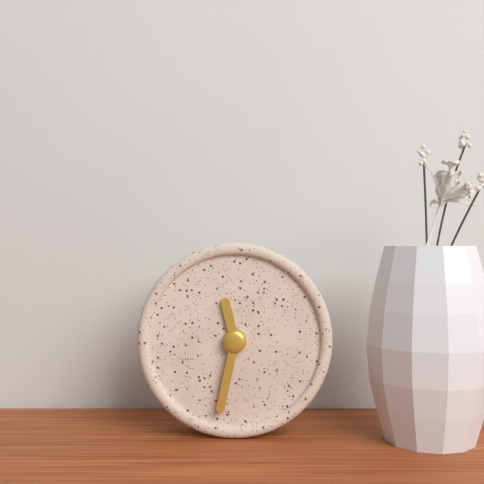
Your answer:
h=11 m=32
